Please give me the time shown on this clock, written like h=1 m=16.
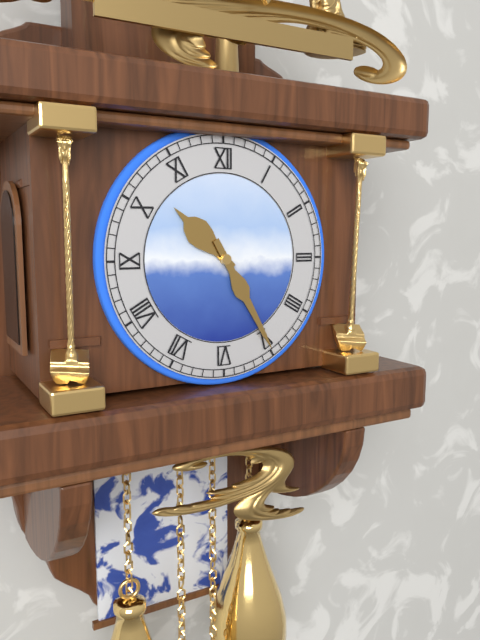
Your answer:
h=10 m=25
